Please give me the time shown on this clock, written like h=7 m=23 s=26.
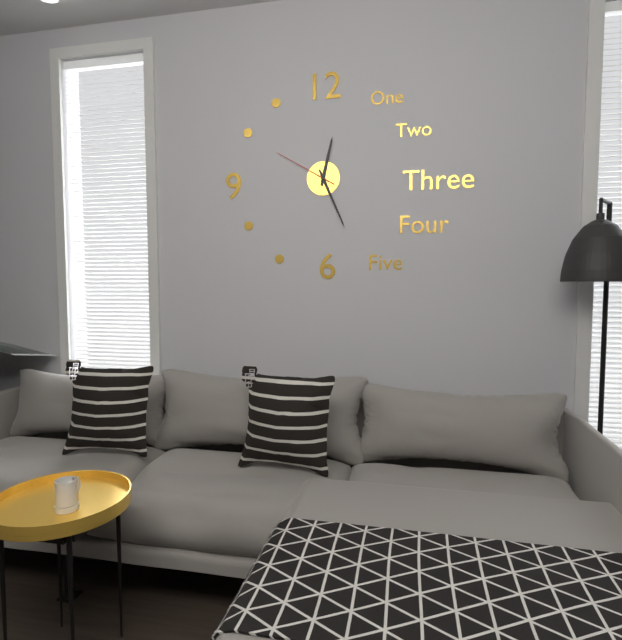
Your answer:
h=12 m=26 s=50
